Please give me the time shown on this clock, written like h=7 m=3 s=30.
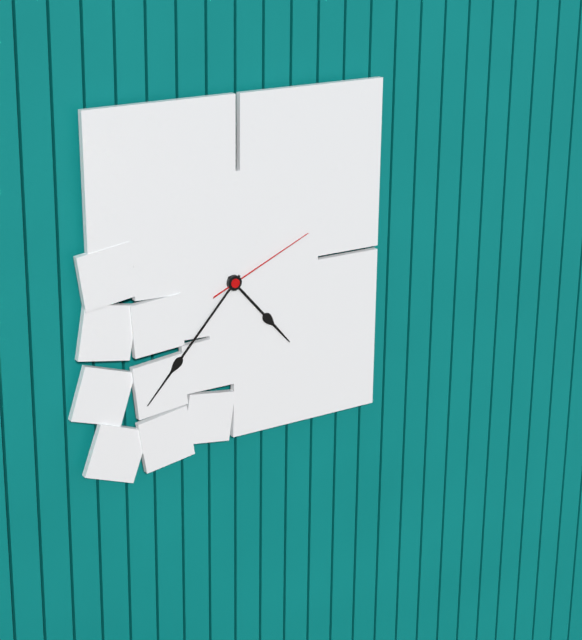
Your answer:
h=4 m=37 s=11
